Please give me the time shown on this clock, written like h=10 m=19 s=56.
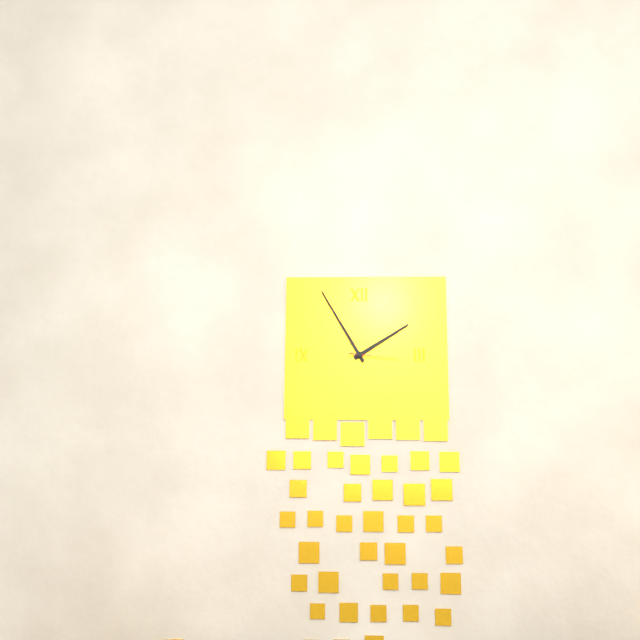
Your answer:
h=1 m=55 s=16
